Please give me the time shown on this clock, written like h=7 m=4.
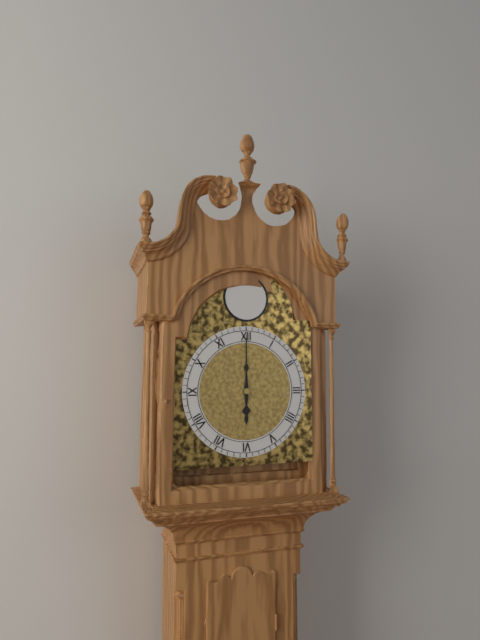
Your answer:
h=6 m=0
